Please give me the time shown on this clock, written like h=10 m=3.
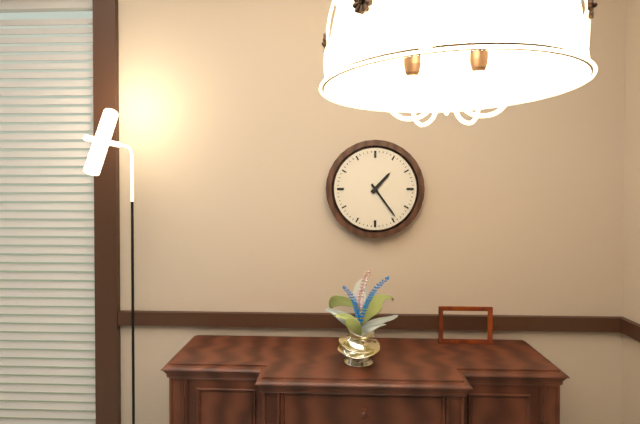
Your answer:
h=1 m=24
